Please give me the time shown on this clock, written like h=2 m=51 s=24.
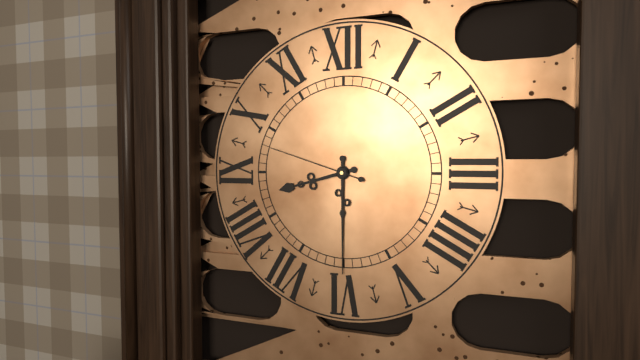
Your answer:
h=8 m=30 s=48
